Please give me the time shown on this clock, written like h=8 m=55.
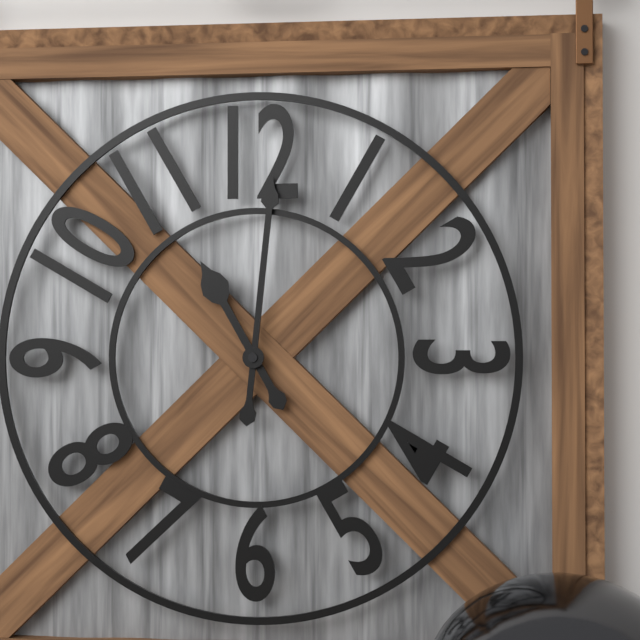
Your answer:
h=11 m=1
